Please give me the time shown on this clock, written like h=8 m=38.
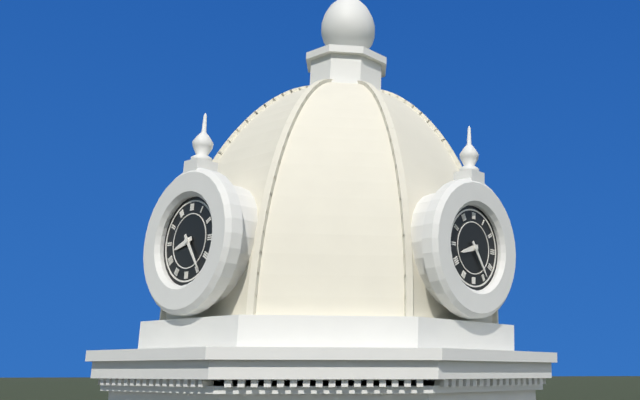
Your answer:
h=8 m=24
